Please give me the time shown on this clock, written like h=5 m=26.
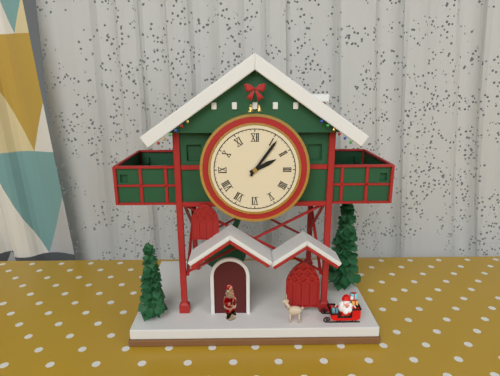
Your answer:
h=2 m=6
